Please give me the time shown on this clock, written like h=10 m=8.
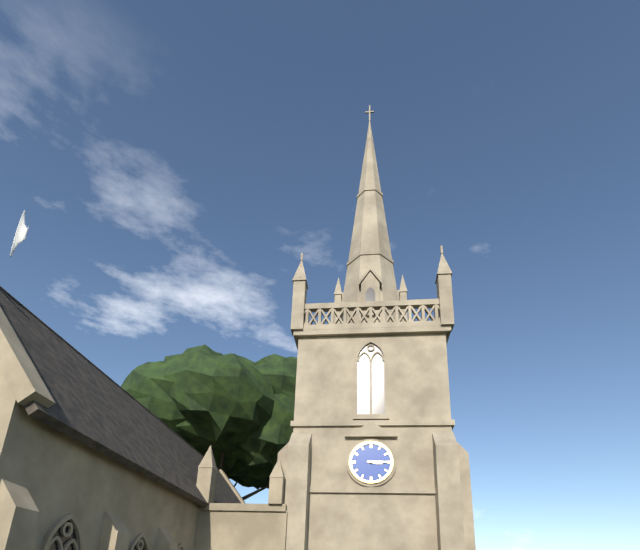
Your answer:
h=3 m=15
